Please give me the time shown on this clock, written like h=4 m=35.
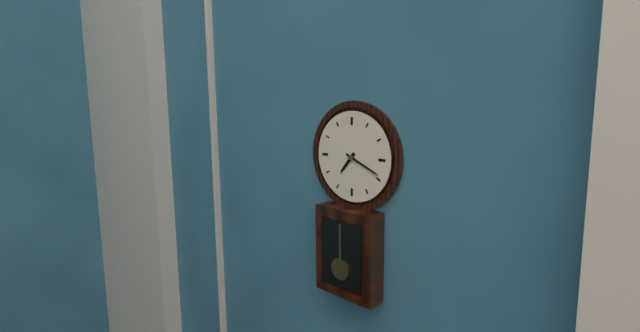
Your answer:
h=7 m=19
